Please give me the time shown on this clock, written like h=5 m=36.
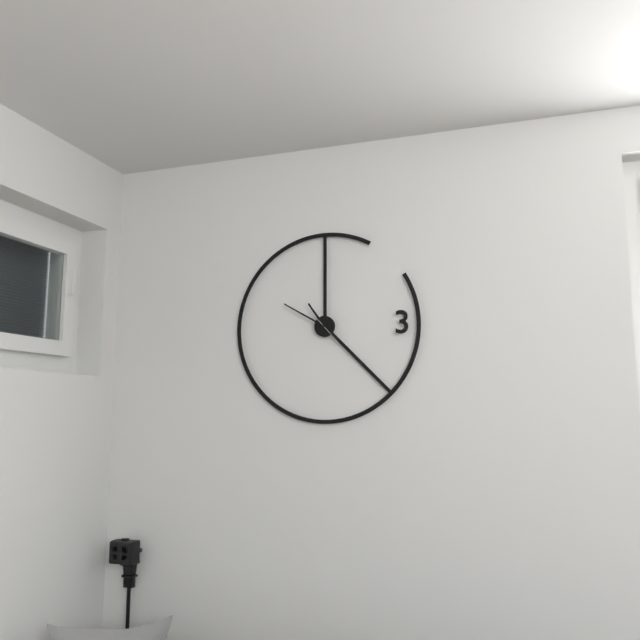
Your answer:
h=10 m=50
